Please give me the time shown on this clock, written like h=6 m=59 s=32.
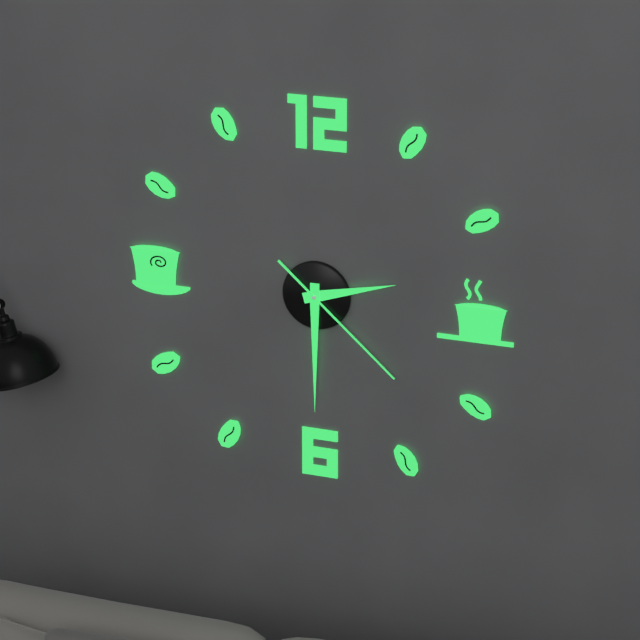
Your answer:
h=2 m=30 s=22
